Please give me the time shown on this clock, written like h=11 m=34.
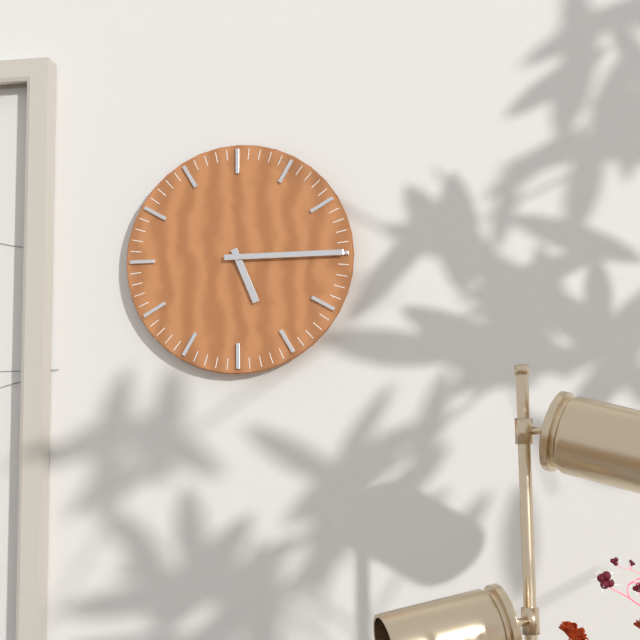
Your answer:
h=5 m=15
